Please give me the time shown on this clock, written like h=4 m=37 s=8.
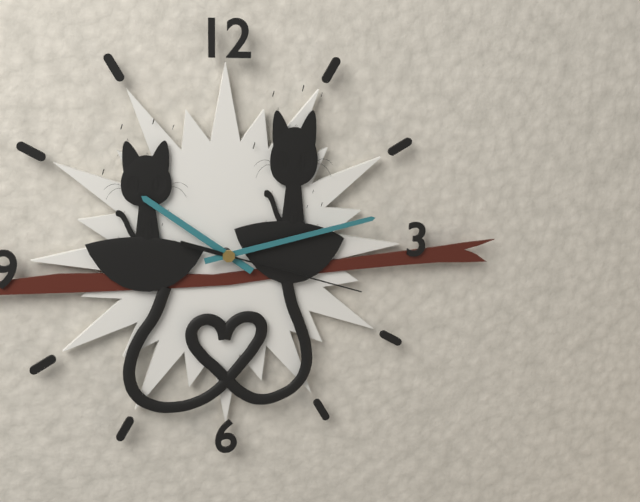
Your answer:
h=10 m=13 s=18
